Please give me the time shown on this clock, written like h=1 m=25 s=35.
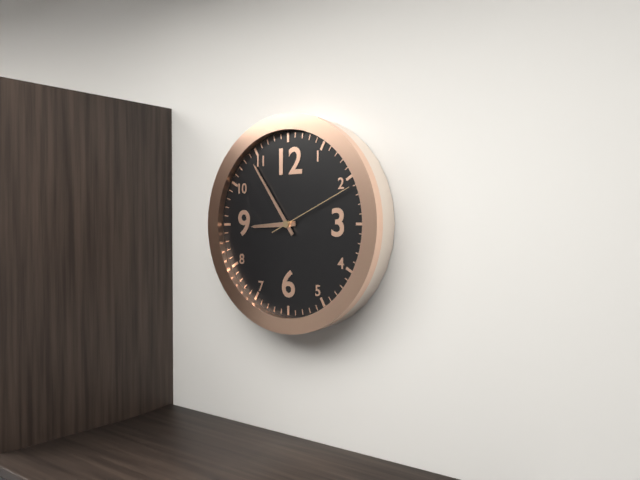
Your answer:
h=8 m=54 s=11
